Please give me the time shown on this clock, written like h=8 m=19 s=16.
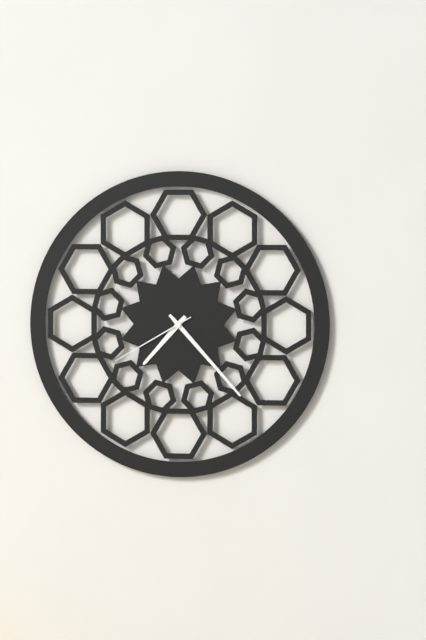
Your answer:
h=7 m=23 s=40
